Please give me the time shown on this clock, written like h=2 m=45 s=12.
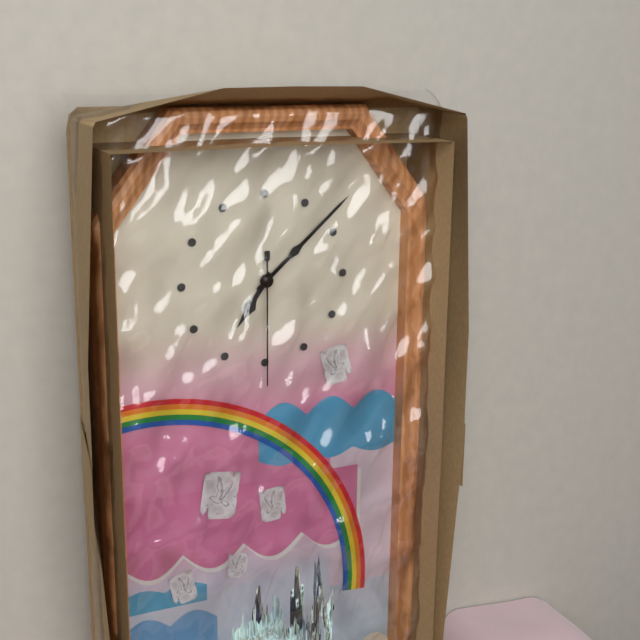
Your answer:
h=7 m=8 s=30
